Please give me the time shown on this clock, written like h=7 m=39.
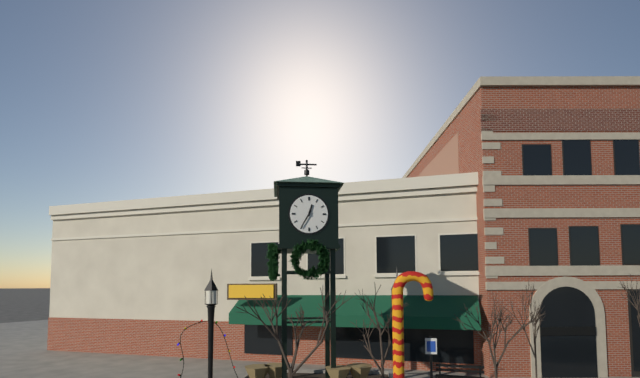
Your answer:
h=12 m=35
